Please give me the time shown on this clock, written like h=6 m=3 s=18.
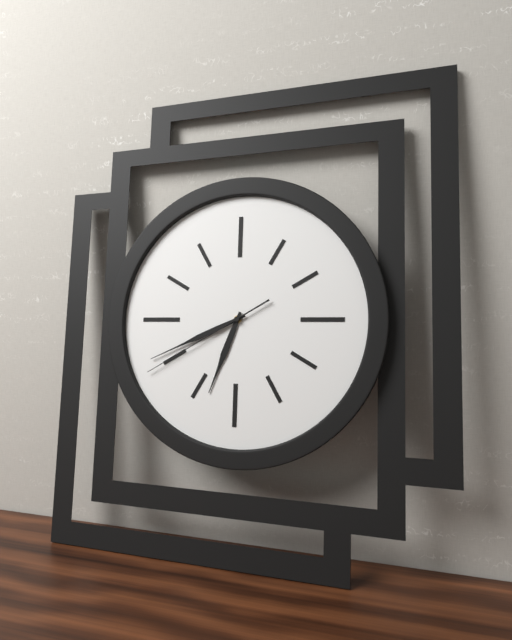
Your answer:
h=6 m=41 s=40
